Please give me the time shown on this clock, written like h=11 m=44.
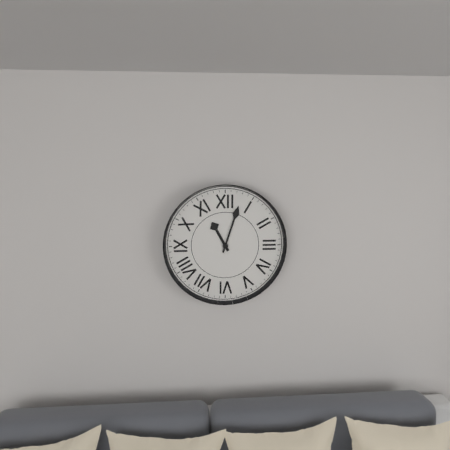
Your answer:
h=11 m=3
